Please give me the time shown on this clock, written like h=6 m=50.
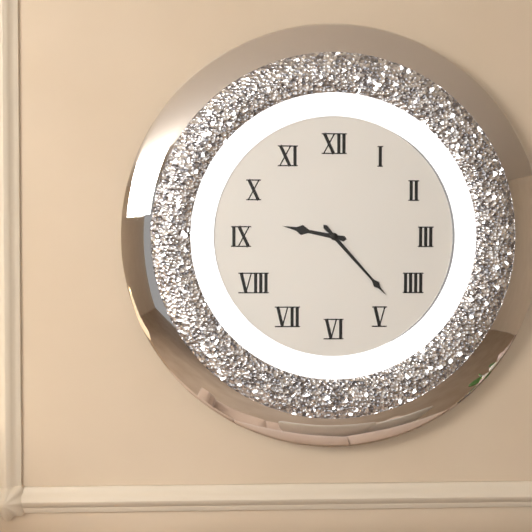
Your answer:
h=9 m=23
